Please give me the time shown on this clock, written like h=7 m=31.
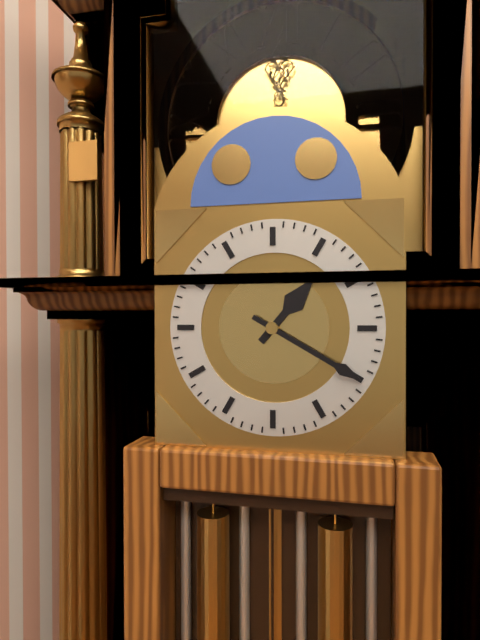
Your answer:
h=1 m=20
